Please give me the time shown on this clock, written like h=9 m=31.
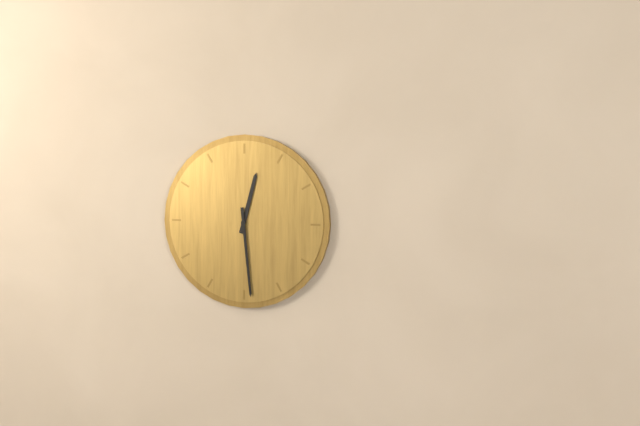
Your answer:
h=12 m=29
